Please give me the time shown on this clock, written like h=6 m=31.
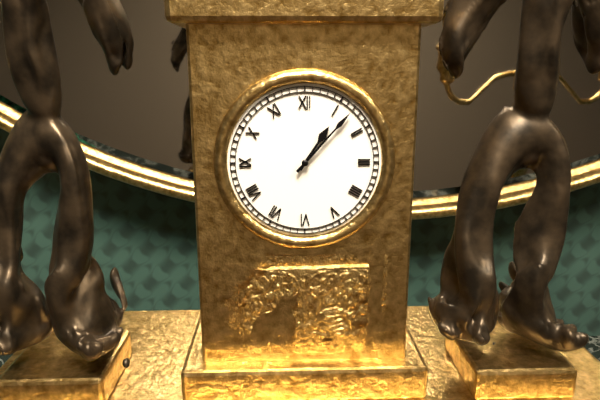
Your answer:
h=1 m=7
